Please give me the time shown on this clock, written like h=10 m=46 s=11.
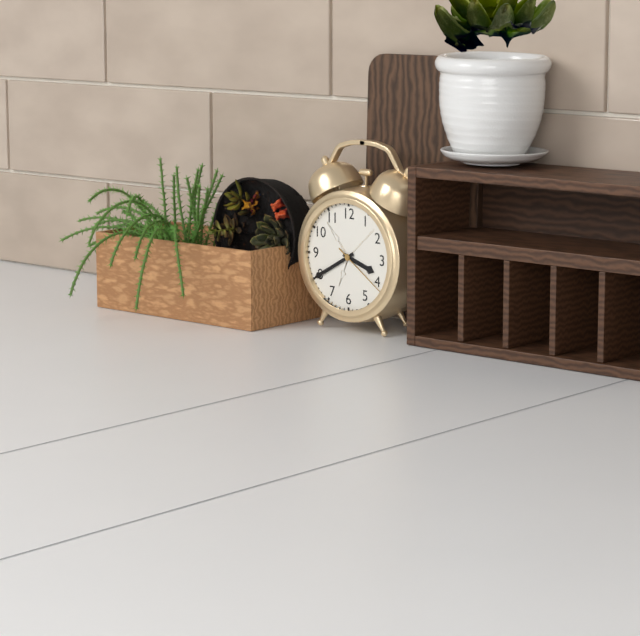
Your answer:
h=3 m=40 s=21
